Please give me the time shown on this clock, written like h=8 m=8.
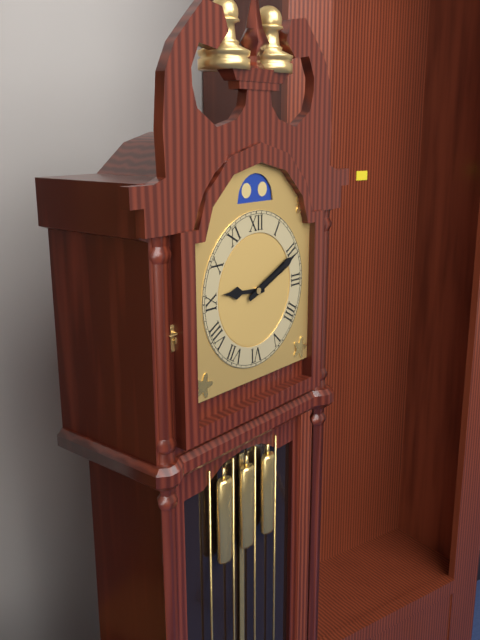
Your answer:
h=9 m=11
